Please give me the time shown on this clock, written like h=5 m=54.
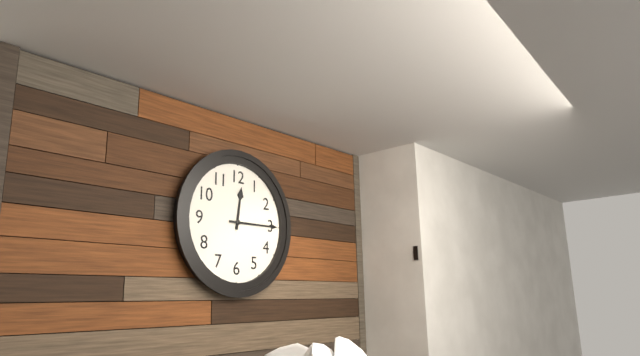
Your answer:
h=12 m=15
